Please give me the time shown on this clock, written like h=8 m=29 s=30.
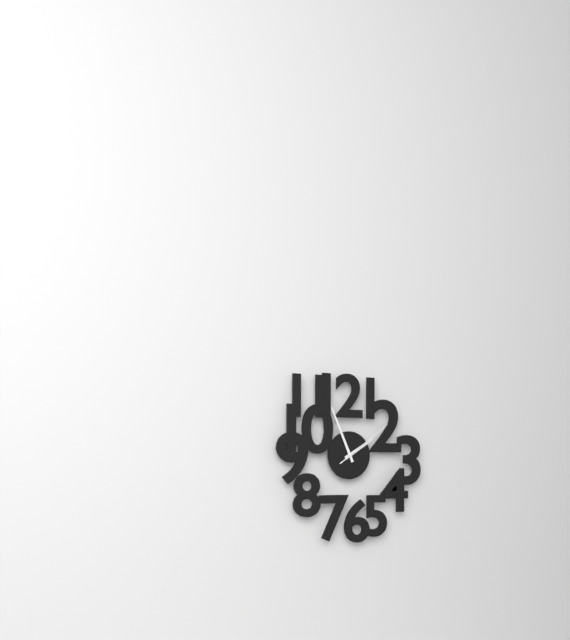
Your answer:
h=1 m=56 s=9
